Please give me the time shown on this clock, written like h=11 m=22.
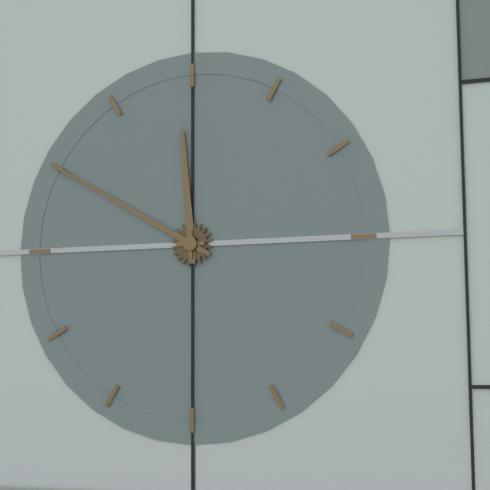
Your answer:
h=11 m=50
